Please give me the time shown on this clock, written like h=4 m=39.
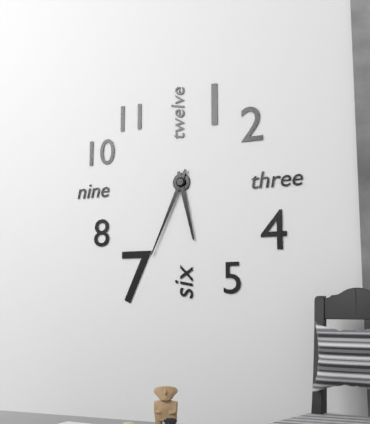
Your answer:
h=5 m=34
